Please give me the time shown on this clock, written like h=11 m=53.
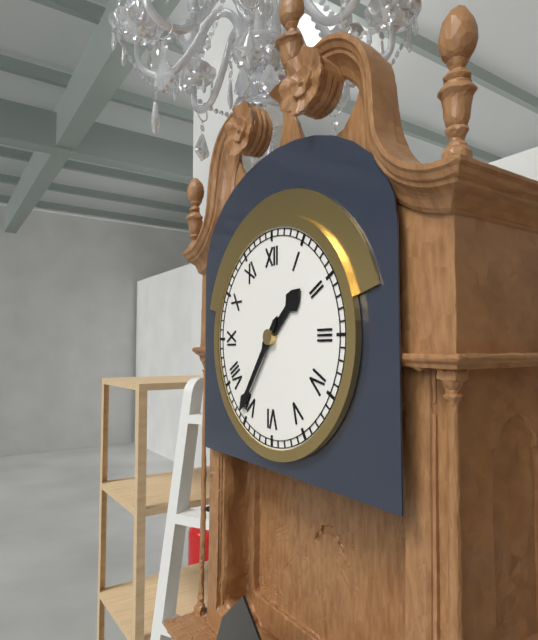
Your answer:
h=1 m=36
